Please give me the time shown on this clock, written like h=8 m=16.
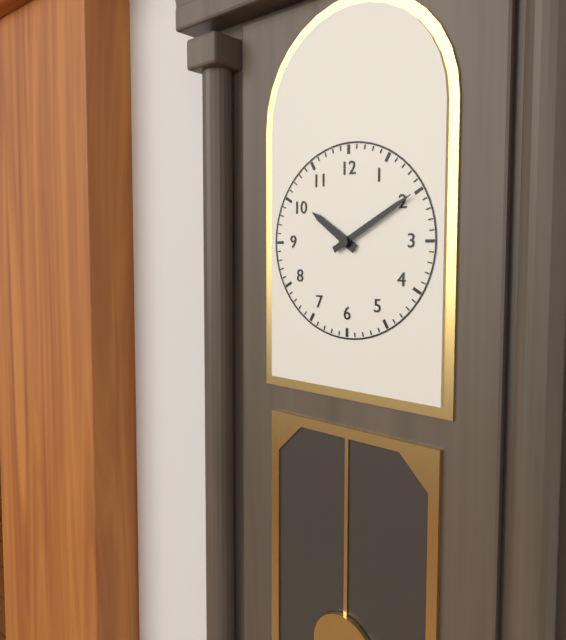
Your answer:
h=10 m=10
